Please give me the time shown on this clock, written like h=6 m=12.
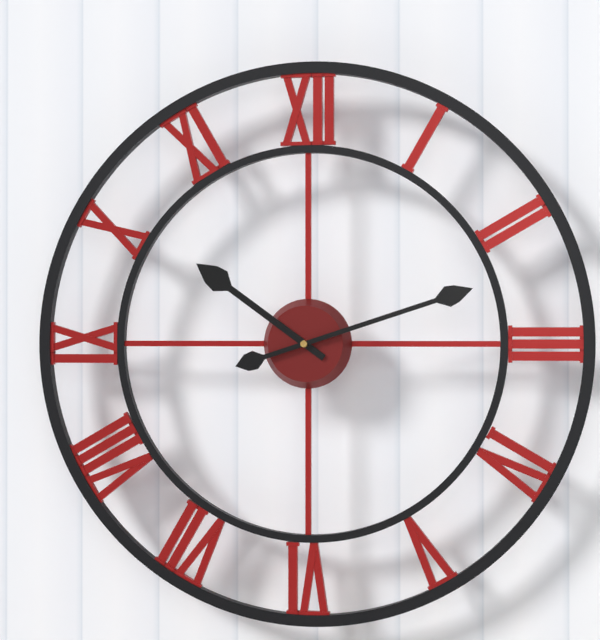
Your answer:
h=10 m=12
